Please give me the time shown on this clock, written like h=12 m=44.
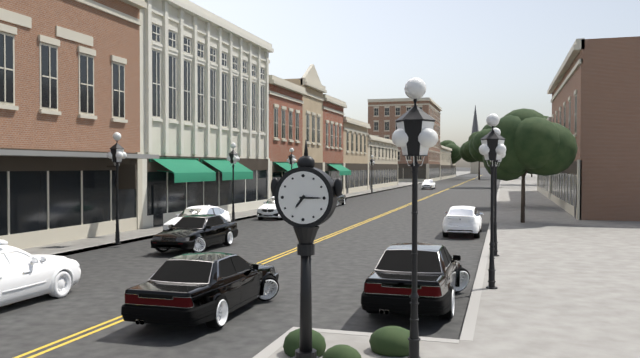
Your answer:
h=7 m=15
